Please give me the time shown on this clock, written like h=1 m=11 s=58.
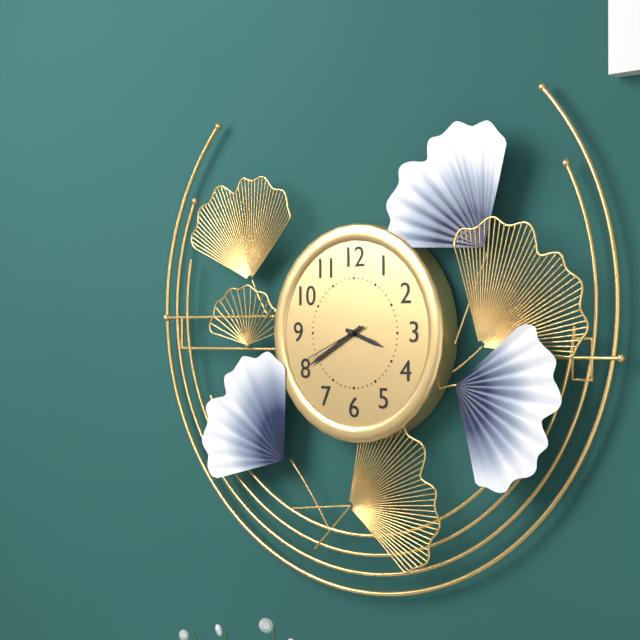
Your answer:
h=3 m=40 s=41
